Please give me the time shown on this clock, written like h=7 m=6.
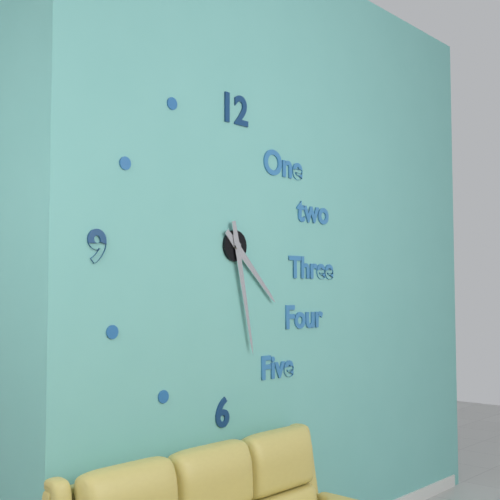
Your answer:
h=4 m=28
